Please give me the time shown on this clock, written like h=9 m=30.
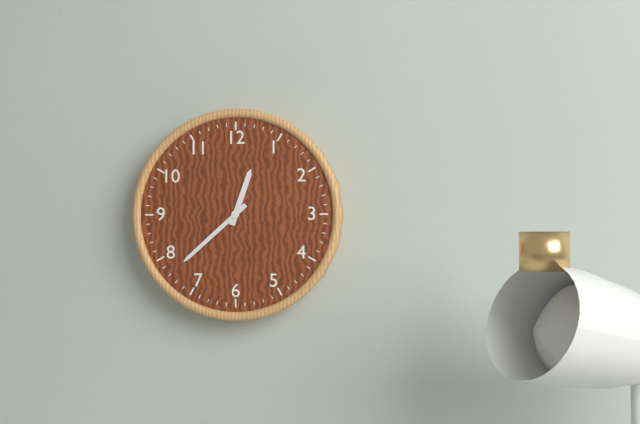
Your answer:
h=12 m=38
